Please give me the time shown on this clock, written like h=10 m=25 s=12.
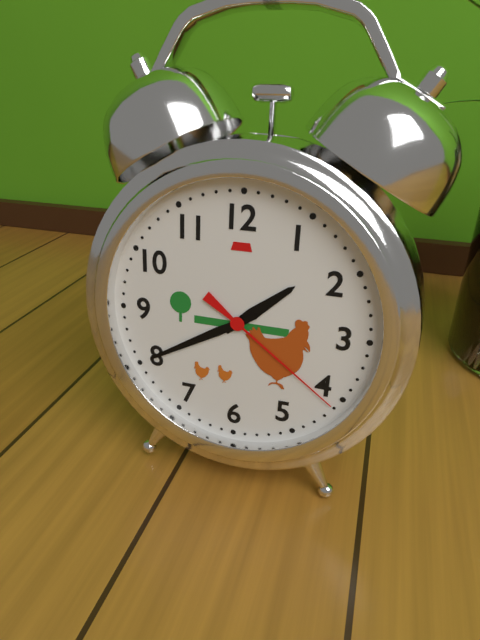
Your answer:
h=1 m=40 s=21
